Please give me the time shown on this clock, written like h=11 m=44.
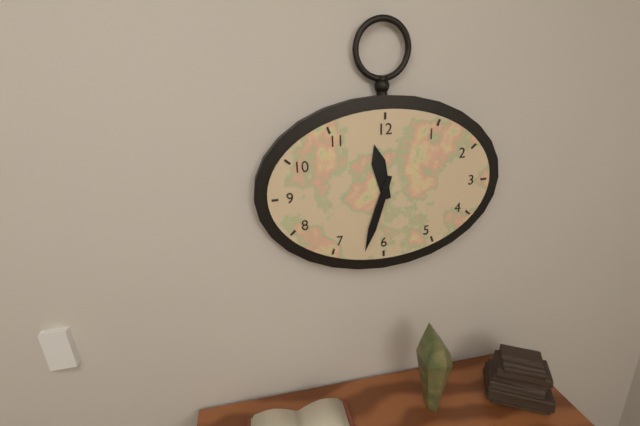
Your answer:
h=11 m=33
